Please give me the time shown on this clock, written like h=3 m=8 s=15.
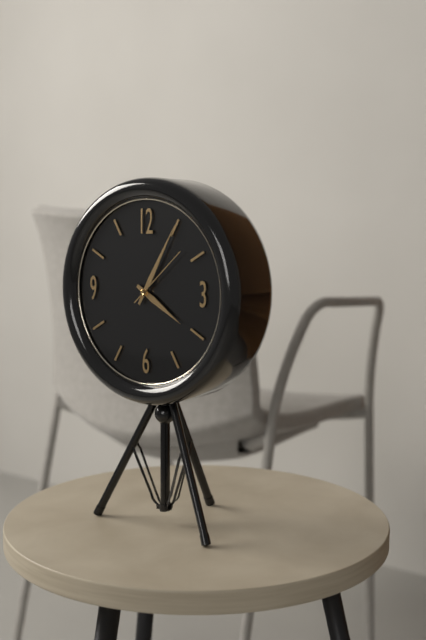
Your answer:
h=4 m=5 s=8
